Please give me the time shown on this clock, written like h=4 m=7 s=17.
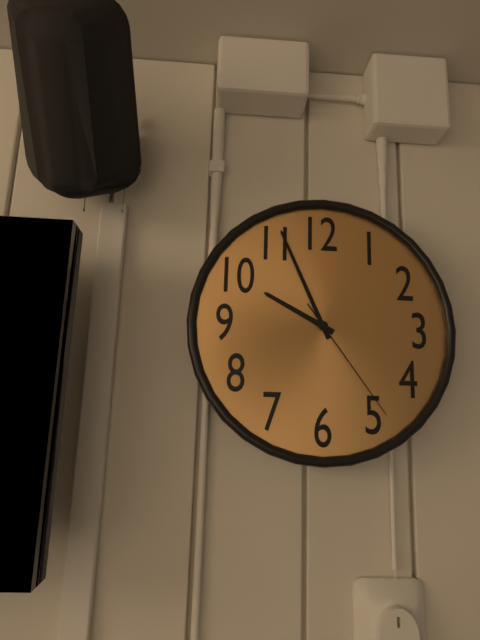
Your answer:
h=9 m=56 s=24
